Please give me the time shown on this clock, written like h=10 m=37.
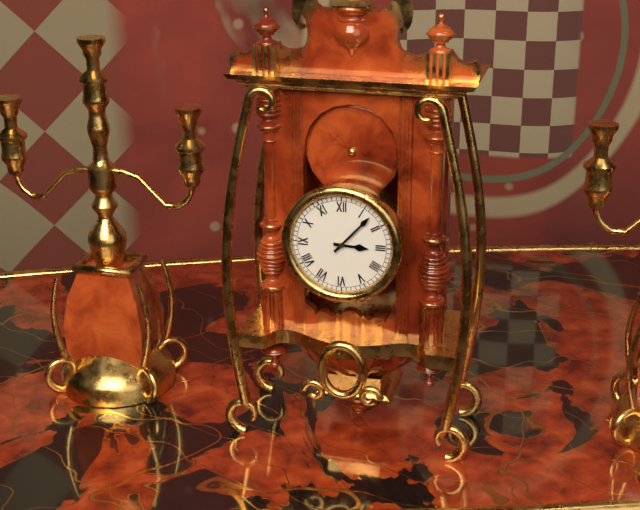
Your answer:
h=3 m=7
